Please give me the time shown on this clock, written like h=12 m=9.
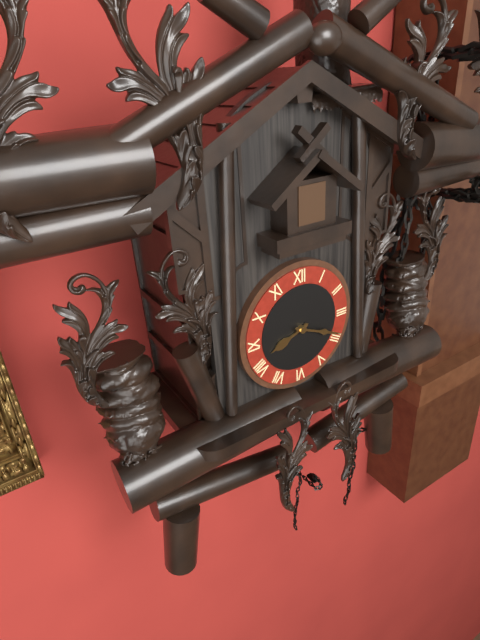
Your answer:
h=8 m=19
